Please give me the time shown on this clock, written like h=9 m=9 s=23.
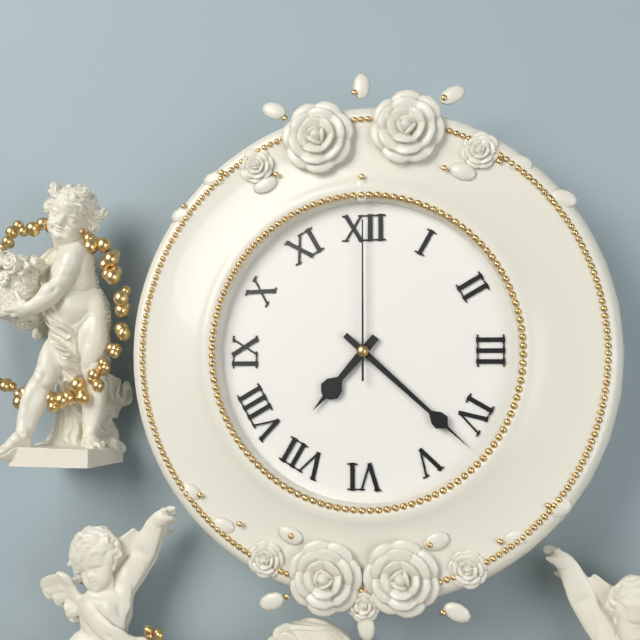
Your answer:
h=7 m=22 s=0
